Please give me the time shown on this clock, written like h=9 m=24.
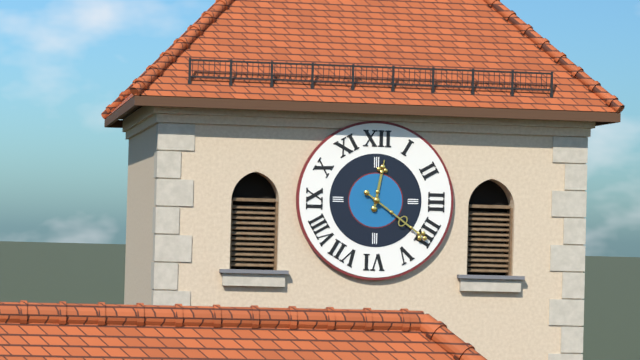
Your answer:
h=12 m=21
